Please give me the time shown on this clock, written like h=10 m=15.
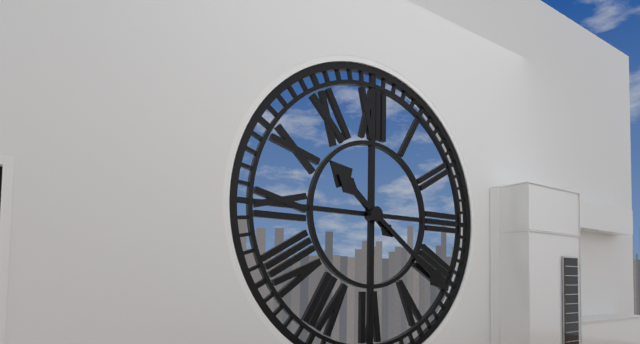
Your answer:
h=10 m=21
